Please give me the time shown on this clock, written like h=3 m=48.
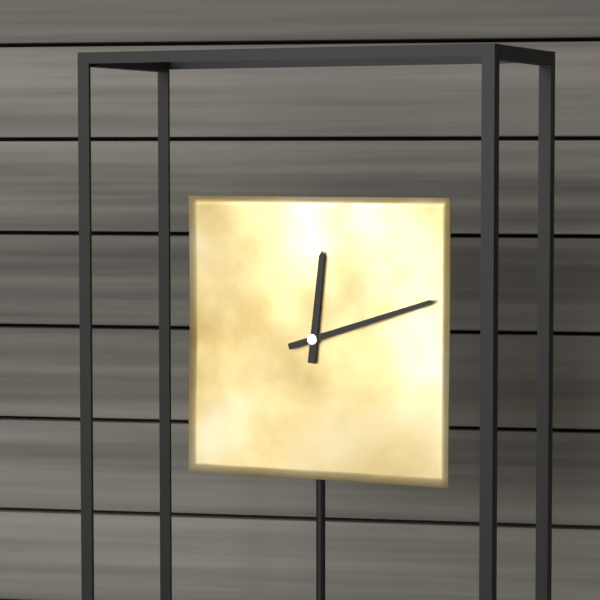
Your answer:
h=12 m=12
